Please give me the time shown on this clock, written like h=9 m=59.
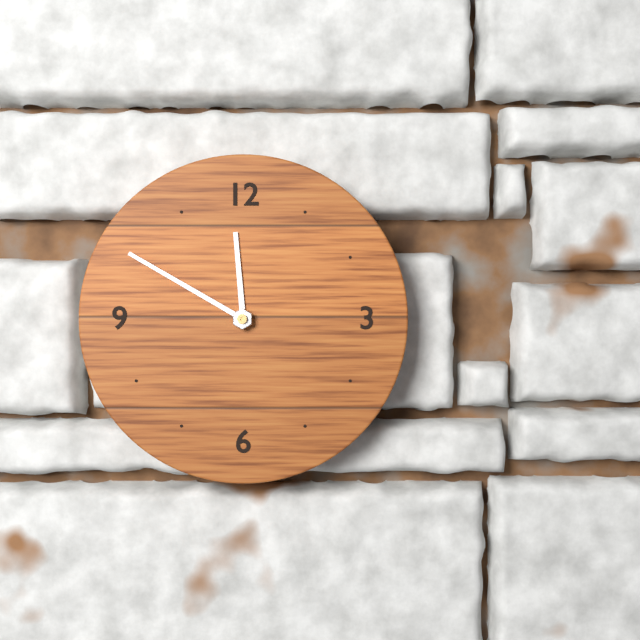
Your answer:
h=11 m=50
